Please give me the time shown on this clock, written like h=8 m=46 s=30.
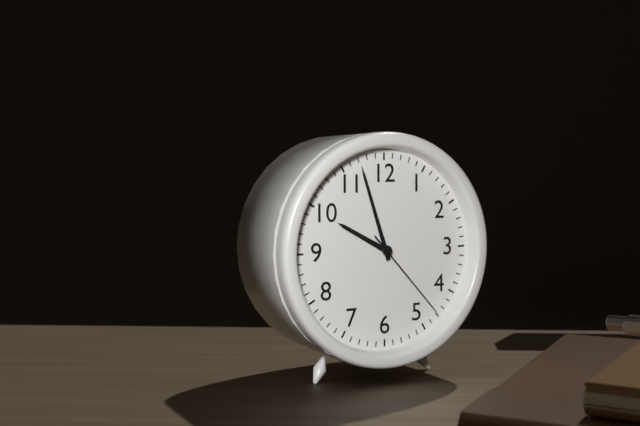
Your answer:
h=9 m=57 s=23
